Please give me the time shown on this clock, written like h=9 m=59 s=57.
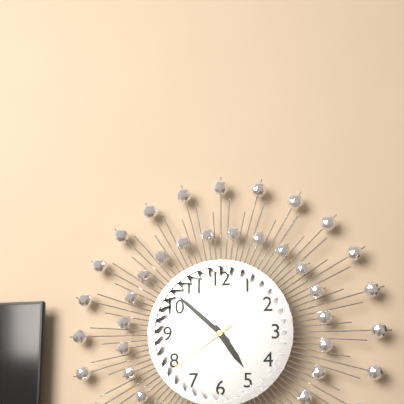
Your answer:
h=4 m=52 s=39
